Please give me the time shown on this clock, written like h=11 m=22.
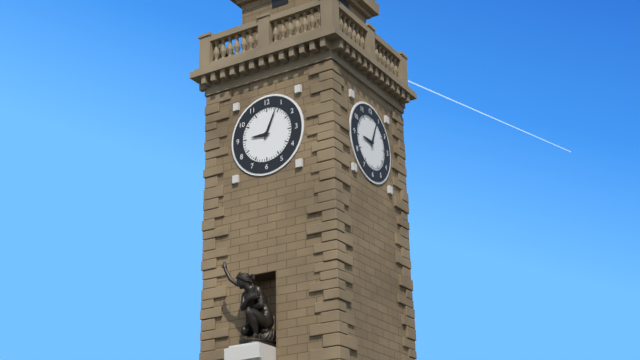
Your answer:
h=9 m=4
